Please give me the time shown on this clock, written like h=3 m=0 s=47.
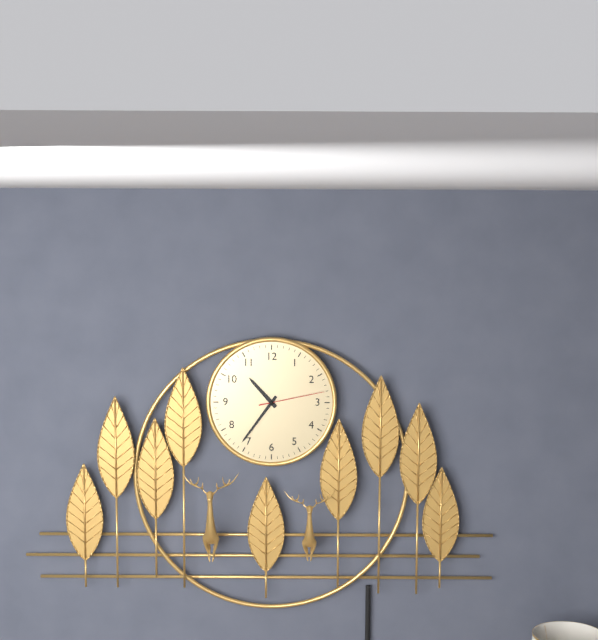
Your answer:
h=10 m=36 s=13
